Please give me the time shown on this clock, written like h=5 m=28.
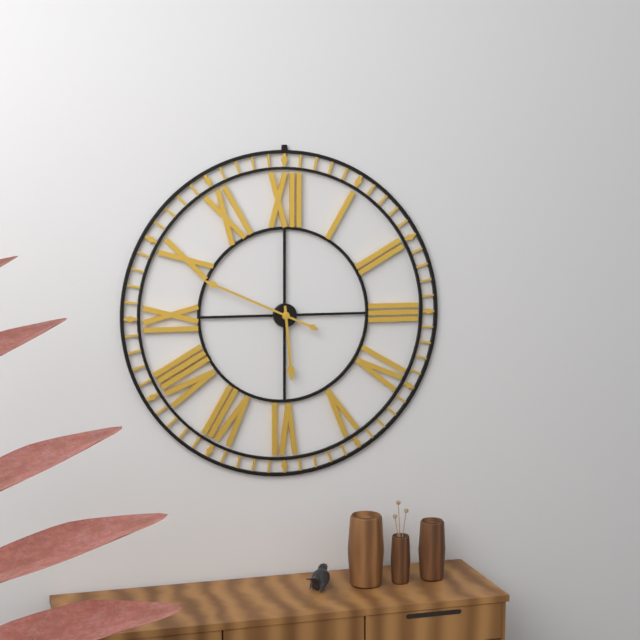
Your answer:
h=5 m=49
